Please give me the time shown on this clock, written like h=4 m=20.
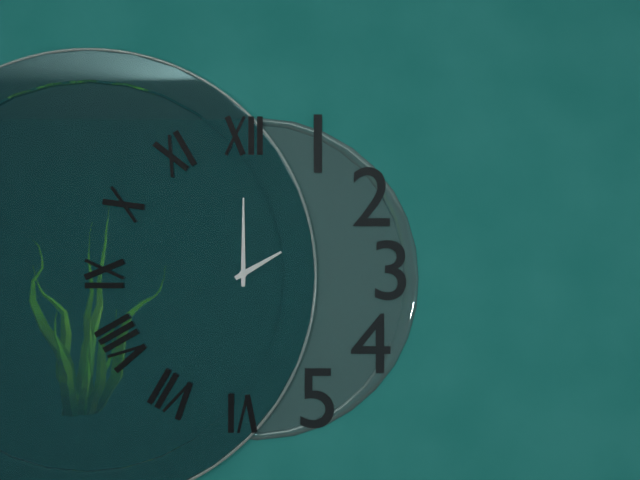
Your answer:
h=2 m=0
